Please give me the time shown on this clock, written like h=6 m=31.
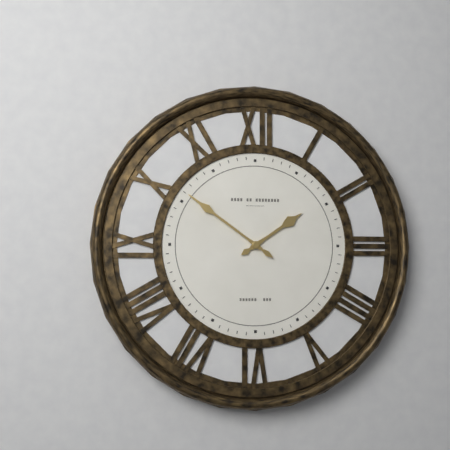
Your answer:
h=1 m=51
